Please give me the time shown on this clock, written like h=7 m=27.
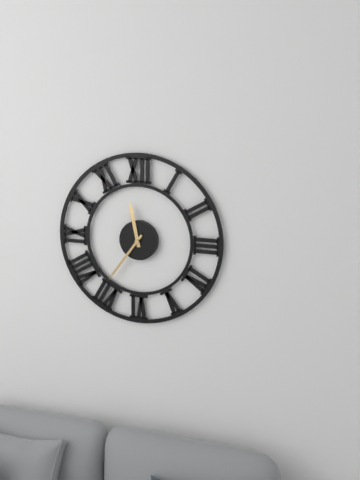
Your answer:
h=11 m=36
